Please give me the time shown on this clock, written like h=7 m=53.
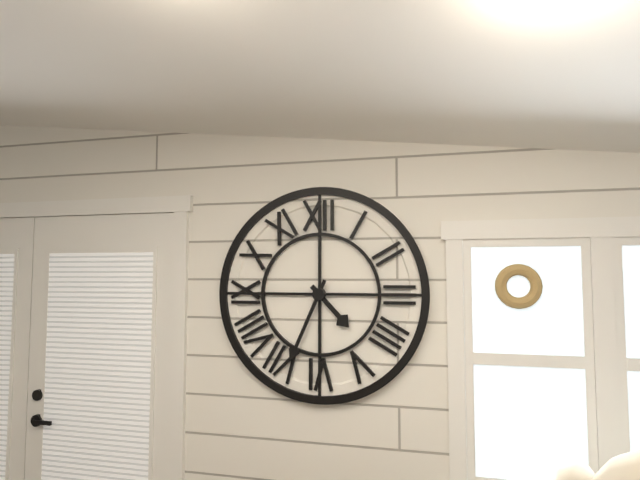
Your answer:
h=4 m=34
